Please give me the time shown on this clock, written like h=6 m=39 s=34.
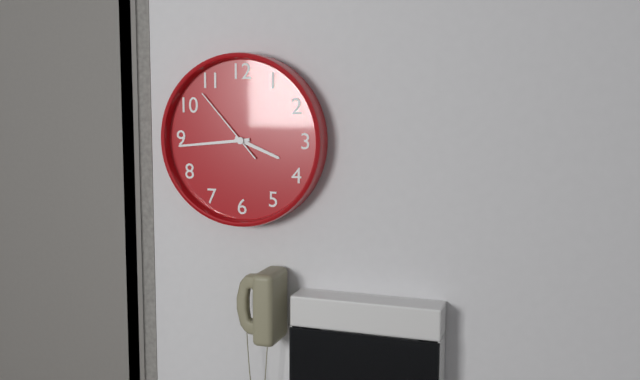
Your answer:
h=3 m=44 s=53
